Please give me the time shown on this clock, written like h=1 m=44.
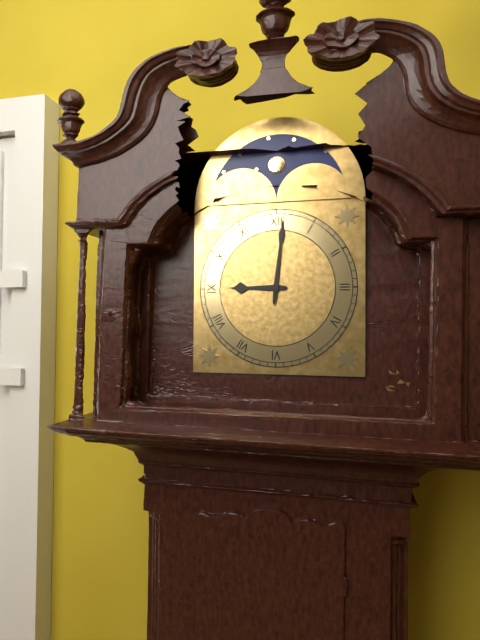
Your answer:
h=9 m=1
